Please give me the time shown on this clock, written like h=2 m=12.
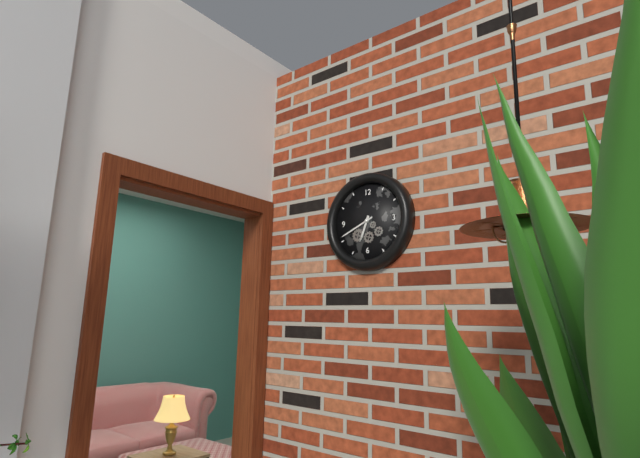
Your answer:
h=6 m=41
